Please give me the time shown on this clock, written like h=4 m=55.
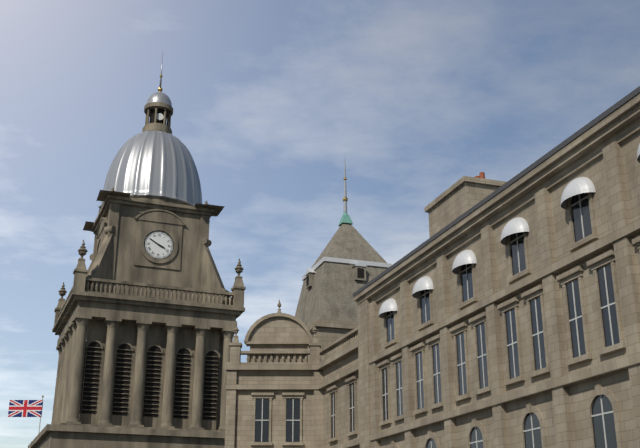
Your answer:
h=3 m=50
